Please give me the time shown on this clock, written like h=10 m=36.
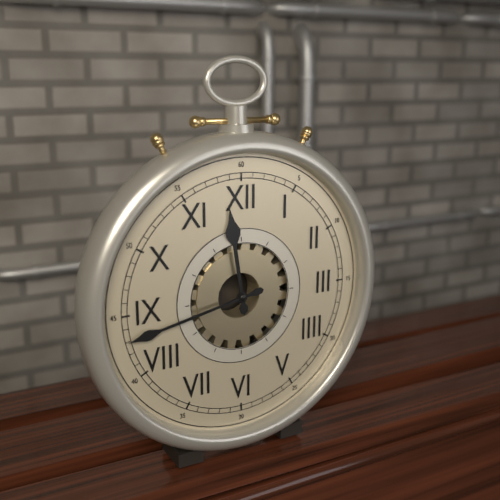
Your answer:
h=11 m=43
